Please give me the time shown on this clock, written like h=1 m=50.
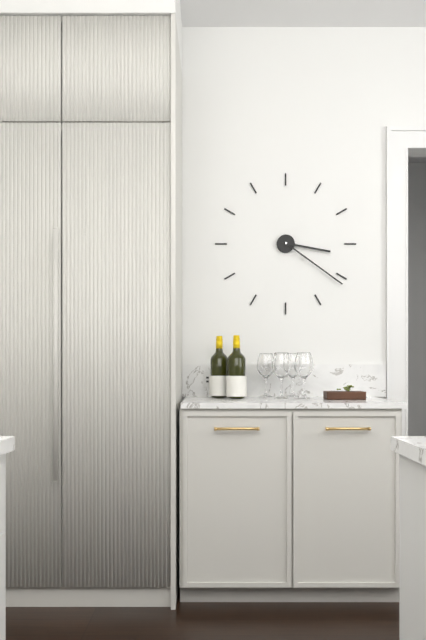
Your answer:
h=3 m=21
